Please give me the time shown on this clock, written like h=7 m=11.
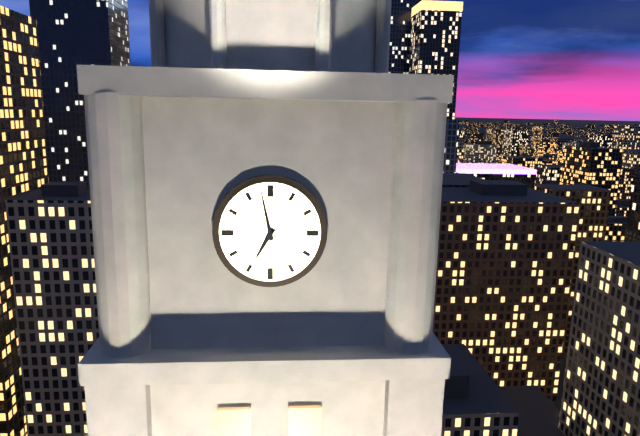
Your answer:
h=6 m=58
